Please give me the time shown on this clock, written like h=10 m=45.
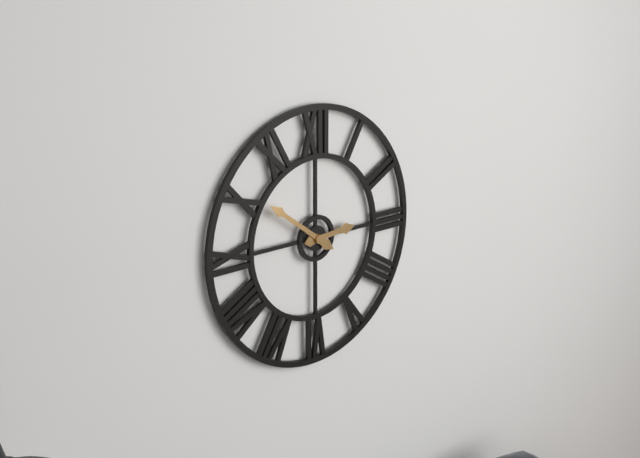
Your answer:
h=2 m=51
